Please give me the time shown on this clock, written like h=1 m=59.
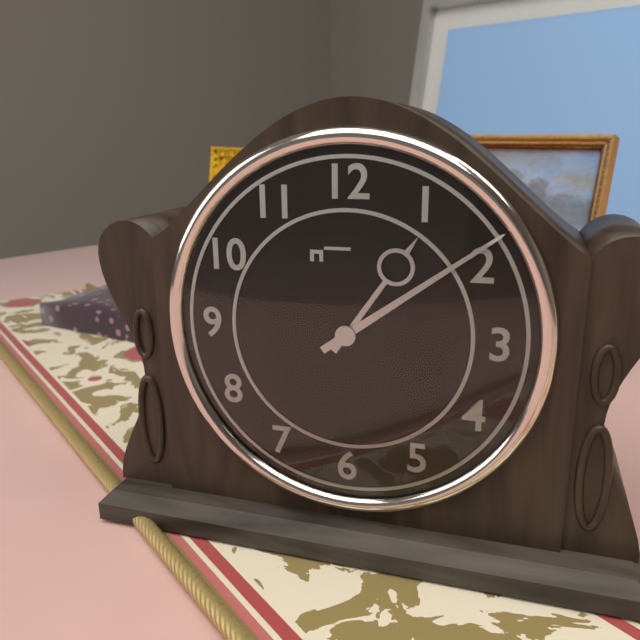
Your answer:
h=1 m=9
